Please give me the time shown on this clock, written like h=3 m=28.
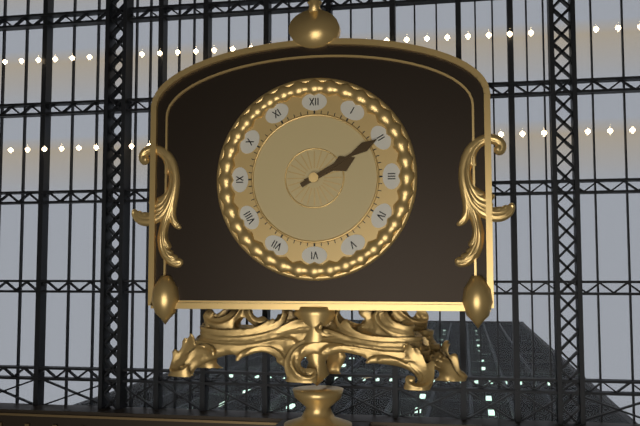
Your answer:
h=2 m=10
